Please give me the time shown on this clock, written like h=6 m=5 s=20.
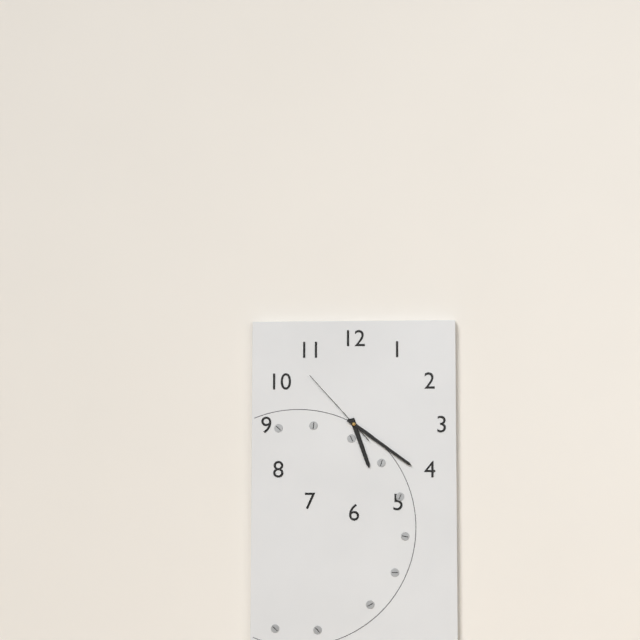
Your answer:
h=5 m=21 s=53
